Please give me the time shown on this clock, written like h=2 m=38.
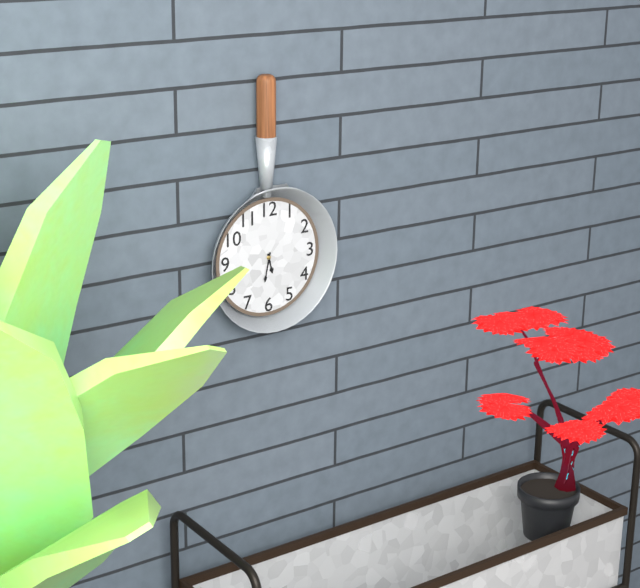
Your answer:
h=5 m=32
